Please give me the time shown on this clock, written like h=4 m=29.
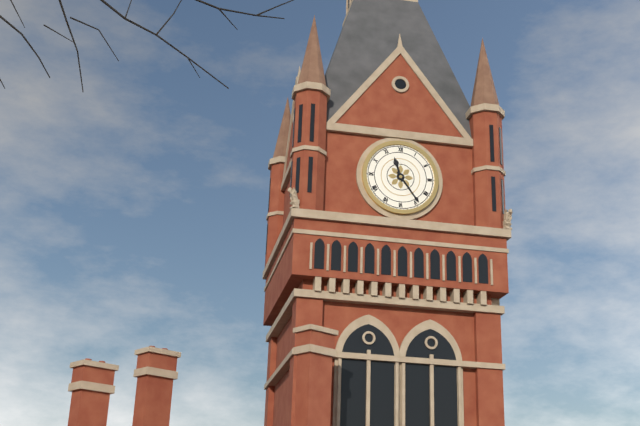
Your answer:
h=11 m=24
